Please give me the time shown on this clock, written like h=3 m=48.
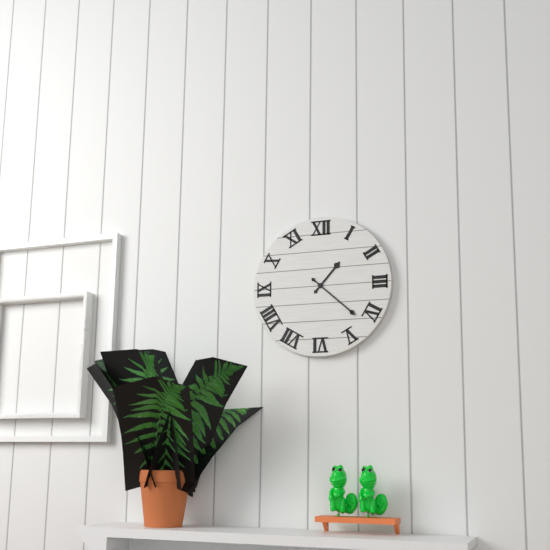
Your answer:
h=1 m=22
